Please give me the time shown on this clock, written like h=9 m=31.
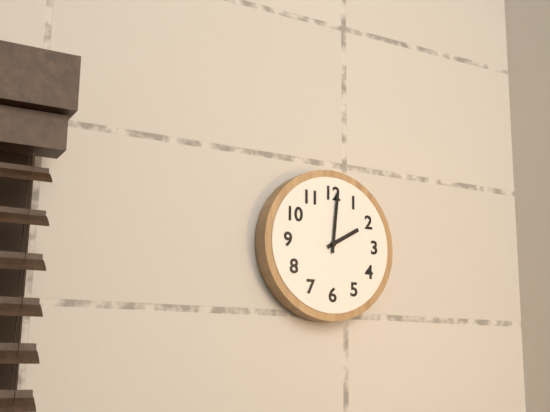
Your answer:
h=2 m=1
